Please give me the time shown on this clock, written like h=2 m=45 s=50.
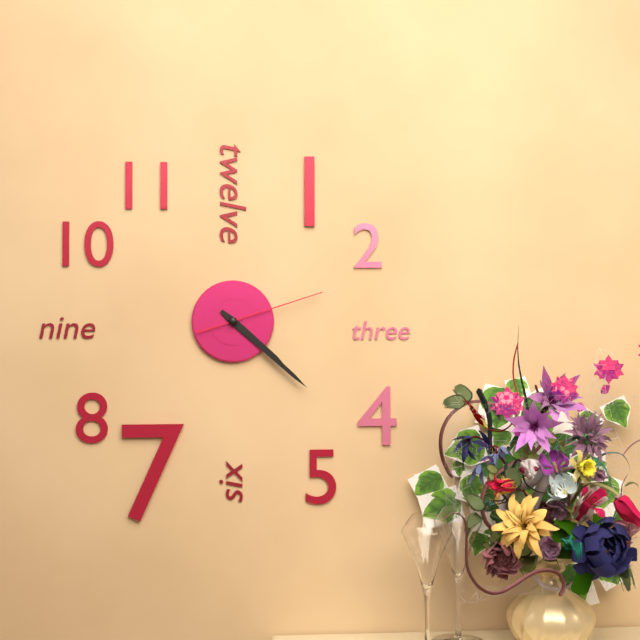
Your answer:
h=4 m=22 s=12
